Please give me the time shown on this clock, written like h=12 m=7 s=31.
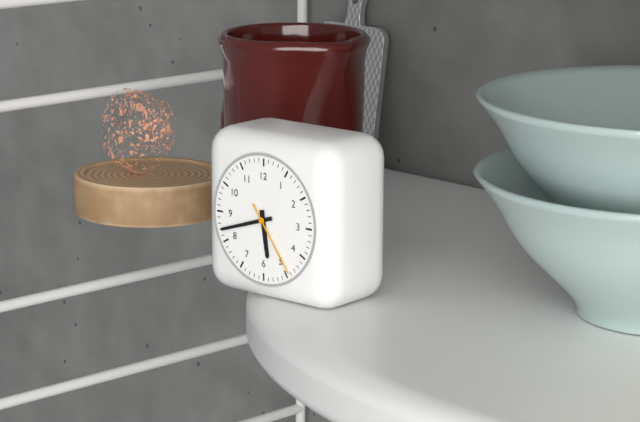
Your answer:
h=5 m=42 s=24
